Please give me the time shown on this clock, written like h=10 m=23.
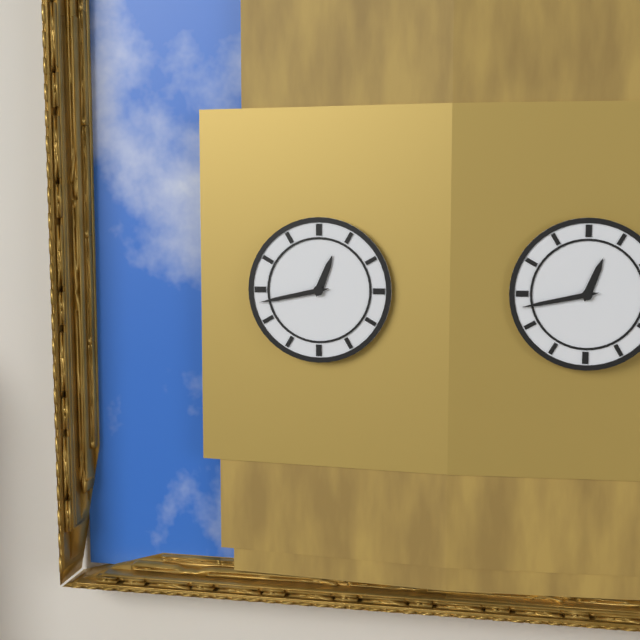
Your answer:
h=12 m=43
